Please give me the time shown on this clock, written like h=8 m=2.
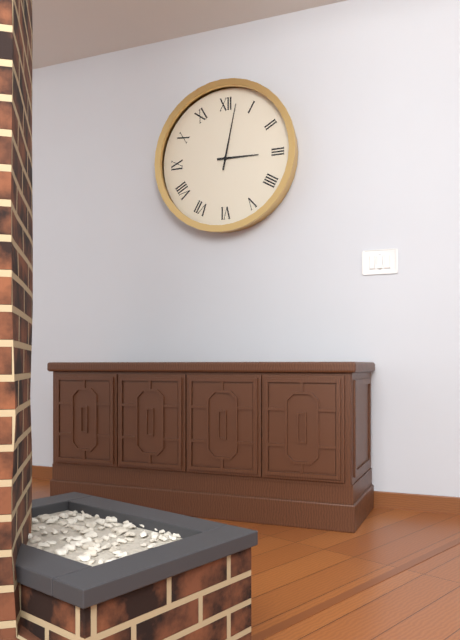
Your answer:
h=3 m=2
